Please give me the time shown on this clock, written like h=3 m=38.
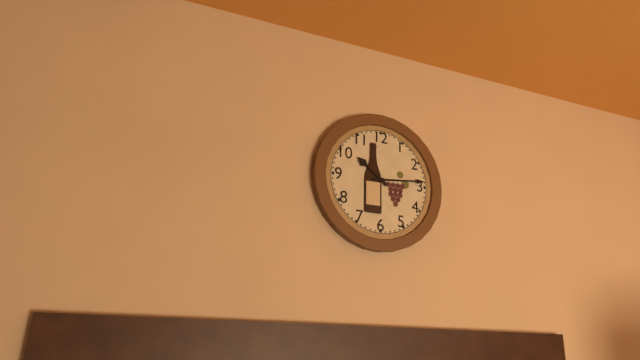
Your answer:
h=10 m=14
